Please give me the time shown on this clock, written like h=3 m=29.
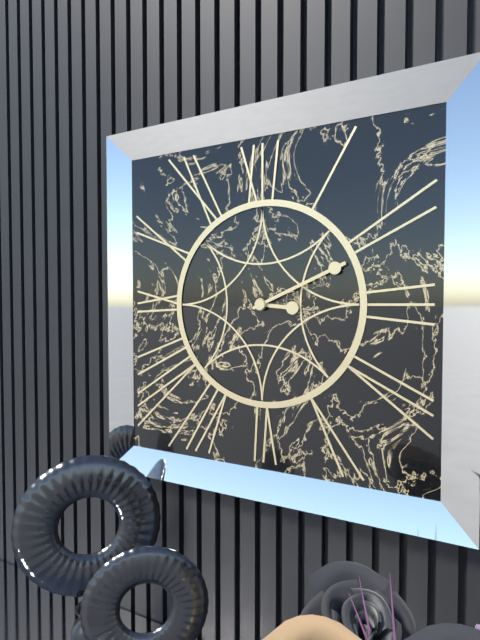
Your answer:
h=3 m=11
